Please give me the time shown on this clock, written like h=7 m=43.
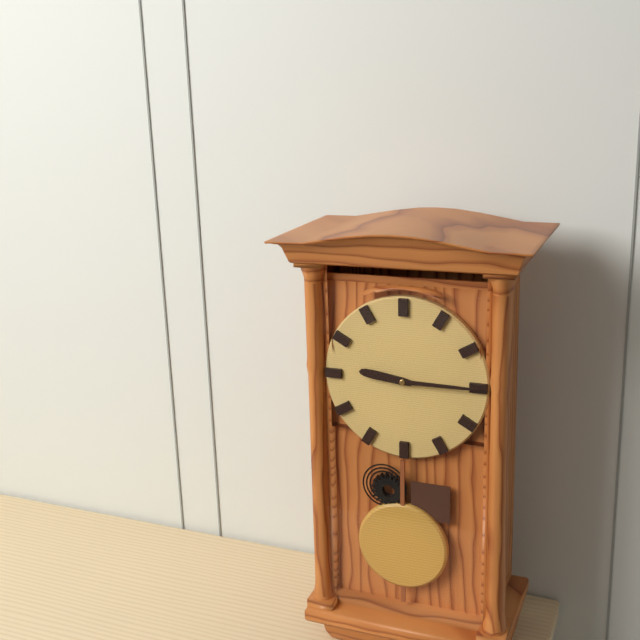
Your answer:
h=9 m=15
